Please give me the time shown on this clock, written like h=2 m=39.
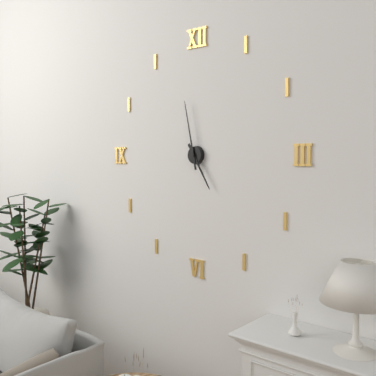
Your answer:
h=4 m=58
